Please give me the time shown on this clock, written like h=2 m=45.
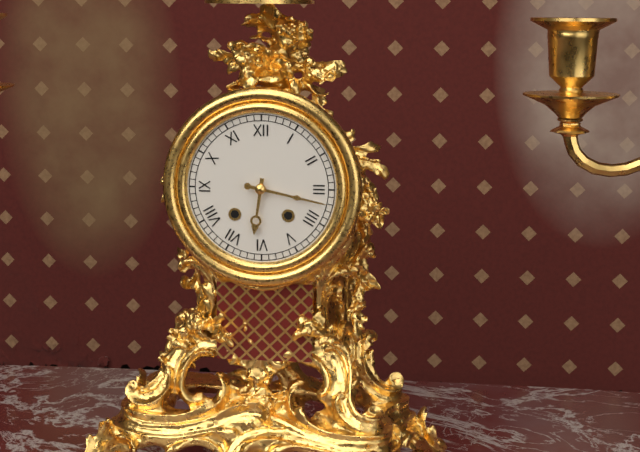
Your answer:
h=6 m=17
